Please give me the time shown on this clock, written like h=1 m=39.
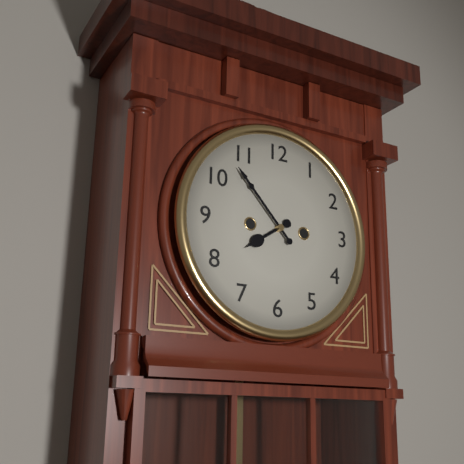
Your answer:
h=7 m=53
